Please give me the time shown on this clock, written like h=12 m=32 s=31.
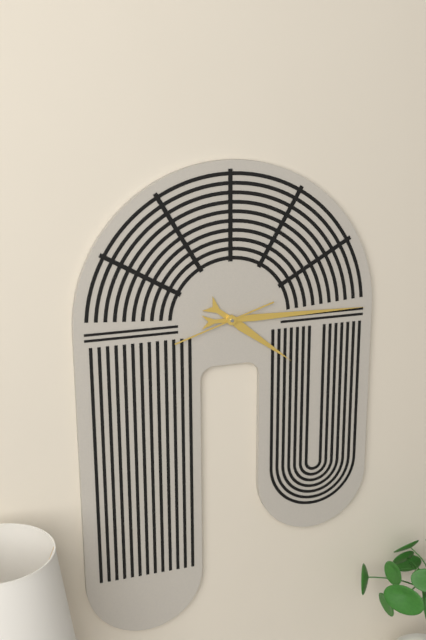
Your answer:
h=4 m=15 s=42
